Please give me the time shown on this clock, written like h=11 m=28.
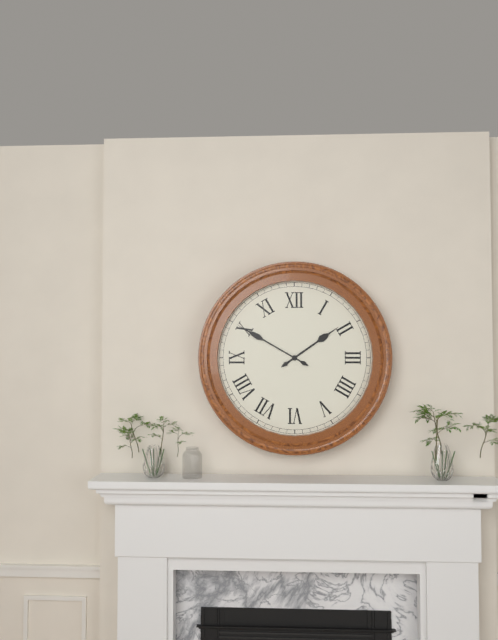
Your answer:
h=1 m=50
